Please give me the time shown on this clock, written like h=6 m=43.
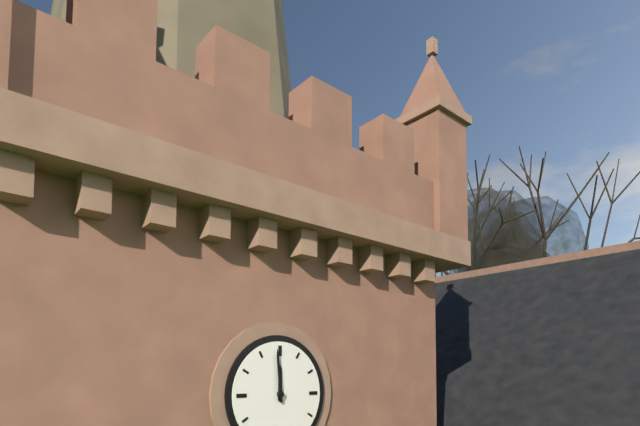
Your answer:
h=11 m=59
